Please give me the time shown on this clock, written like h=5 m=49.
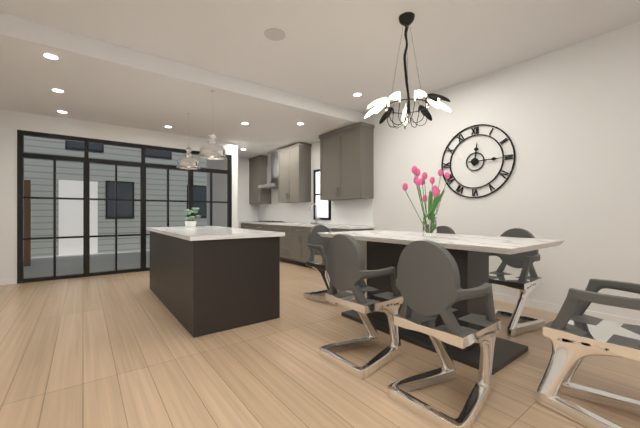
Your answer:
h=12 m=15
